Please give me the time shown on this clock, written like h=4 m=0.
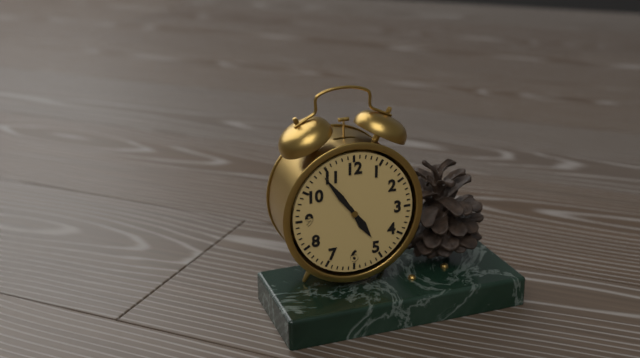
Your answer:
h=4 m=54
